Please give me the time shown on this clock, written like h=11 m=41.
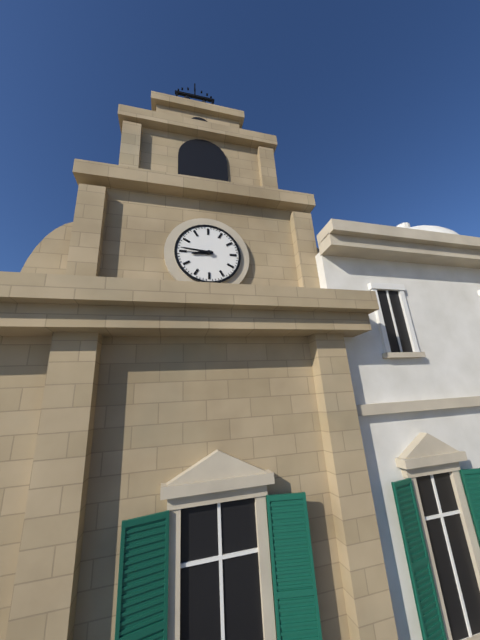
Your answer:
h=8 m=46
